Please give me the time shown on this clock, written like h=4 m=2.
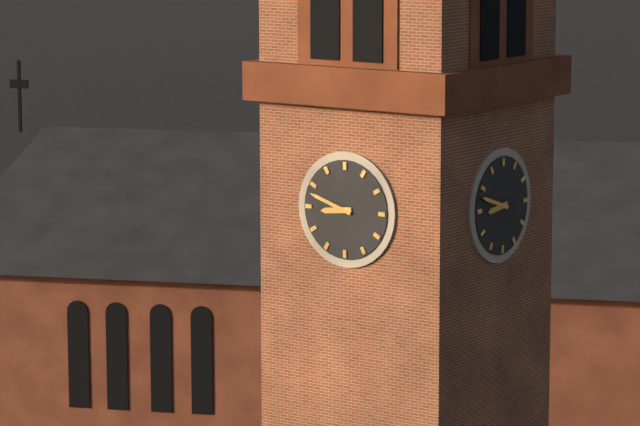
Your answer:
h=8 m=48
